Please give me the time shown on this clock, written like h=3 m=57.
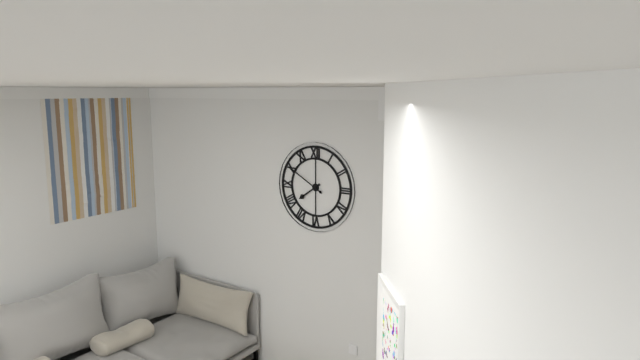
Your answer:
h=7 m=50
